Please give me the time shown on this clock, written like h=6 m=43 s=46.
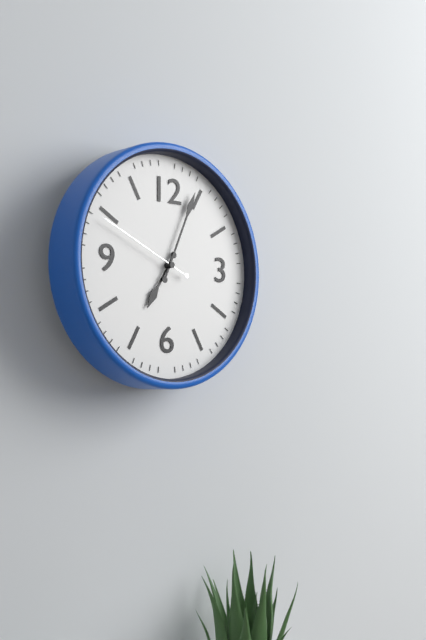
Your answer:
h=7 m=4 s=49
